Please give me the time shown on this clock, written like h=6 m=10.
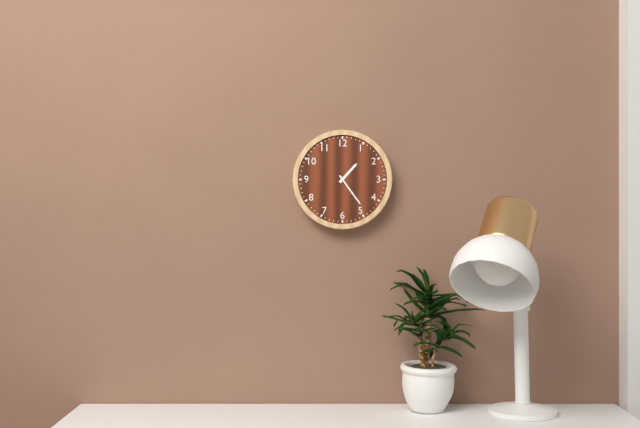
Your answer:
h=1 m=24
